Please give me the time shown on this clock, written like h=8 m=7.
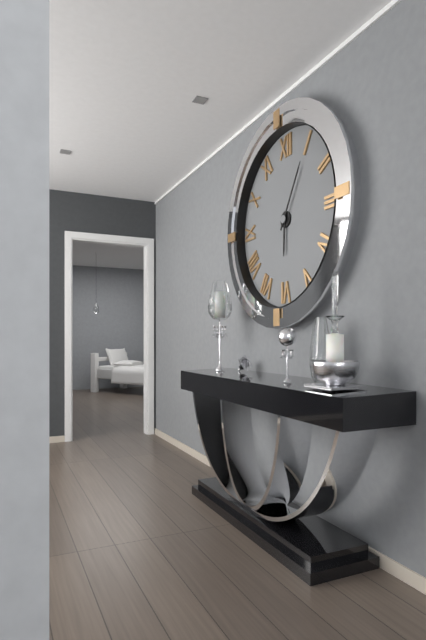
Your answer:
h=6 m=5
